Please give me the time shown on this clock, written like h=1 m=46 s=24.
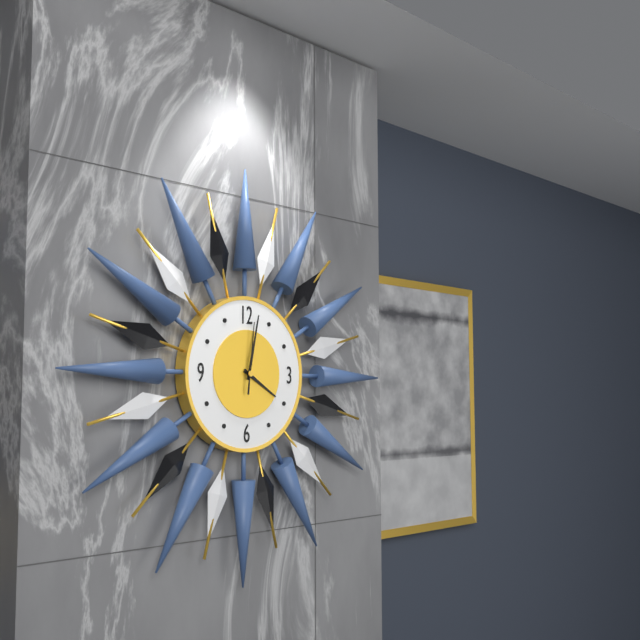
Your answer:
h=4 m=2 s=1
